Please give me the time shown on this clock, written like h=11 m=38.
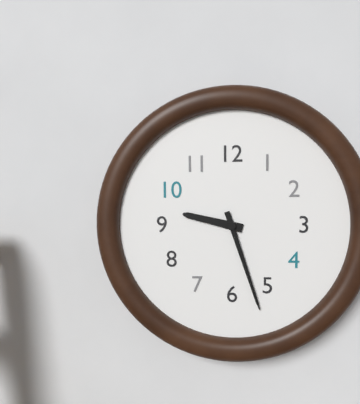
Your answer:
h=9 m=27
